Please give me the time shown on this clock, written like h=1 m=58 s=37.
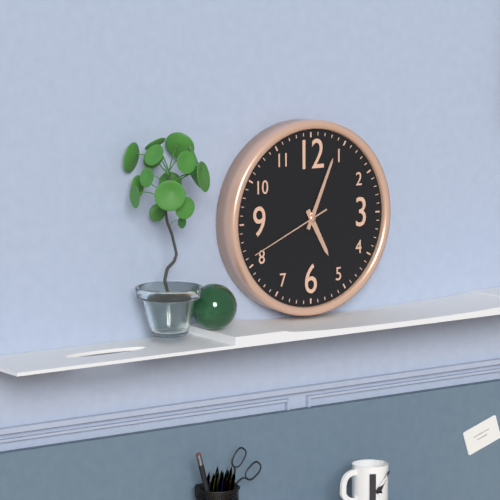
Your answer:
h=5 m=4 s=41
